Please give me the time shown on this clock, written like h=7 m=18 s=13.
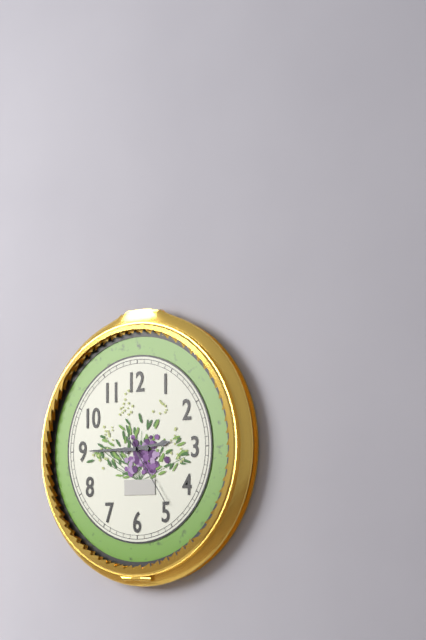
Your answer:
h=2 m=45 s=24
